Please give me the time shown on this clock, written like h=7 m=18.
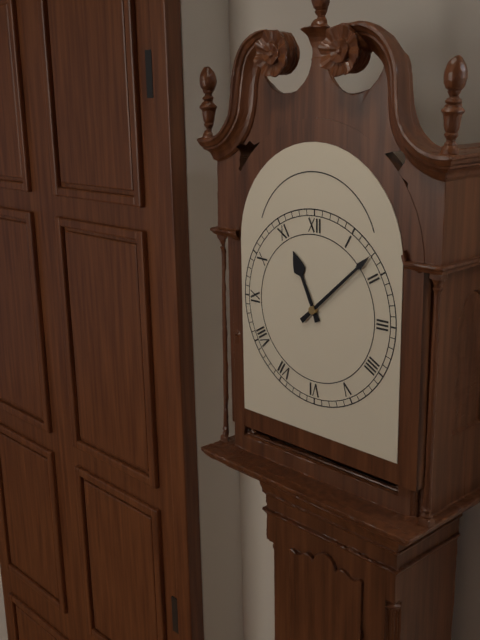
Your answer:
h=11 m=8
